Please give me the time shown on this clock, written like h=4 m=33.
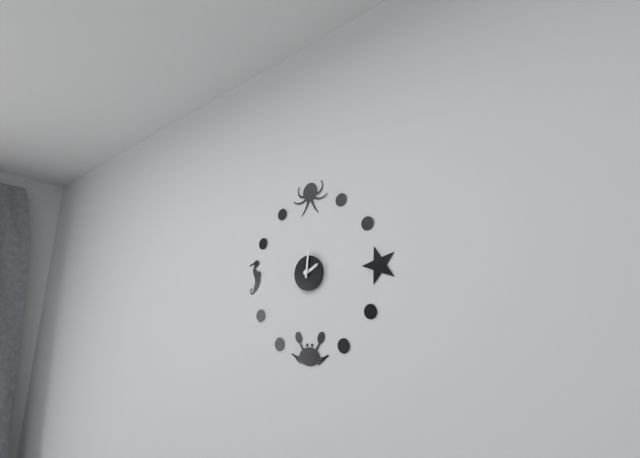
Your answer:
h=2 m=1
